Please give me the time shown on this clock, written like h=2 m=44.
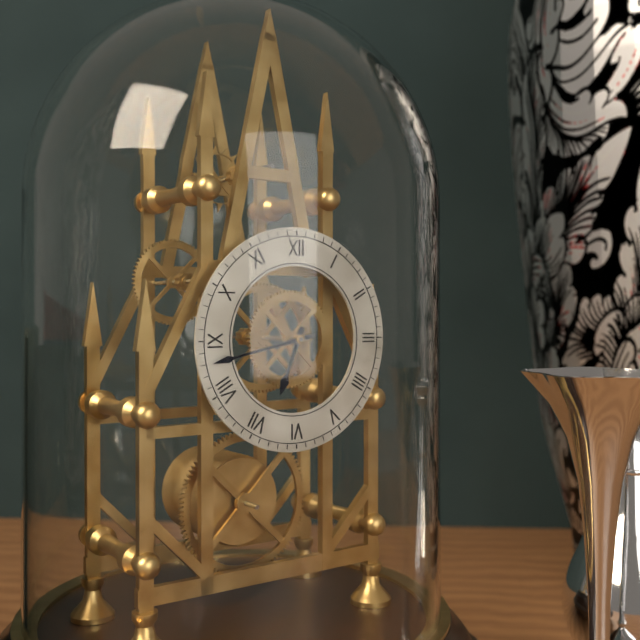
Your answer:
h=6 m=43
